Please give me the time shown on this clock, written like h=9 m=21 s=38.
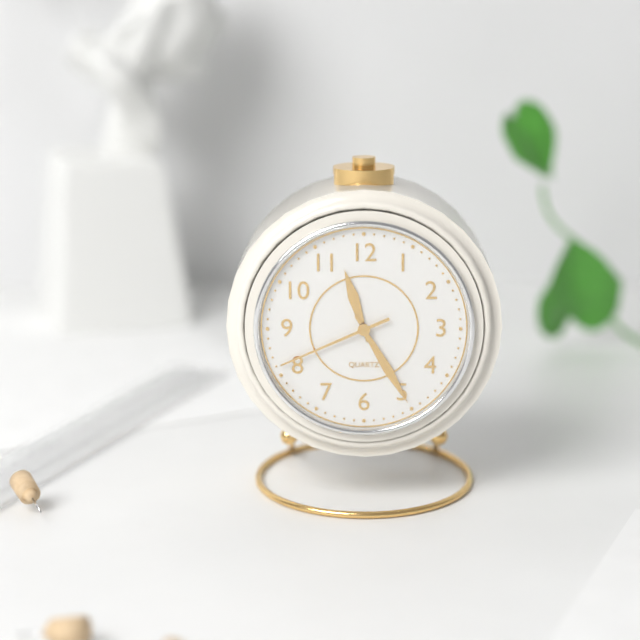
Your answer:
h=11 m=25 s=41
